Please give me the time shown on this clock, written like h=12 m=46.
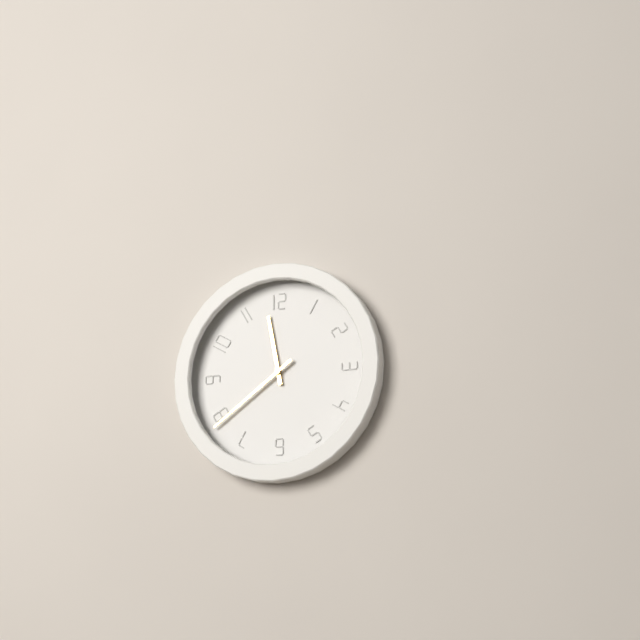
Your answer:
h=11 m=39
